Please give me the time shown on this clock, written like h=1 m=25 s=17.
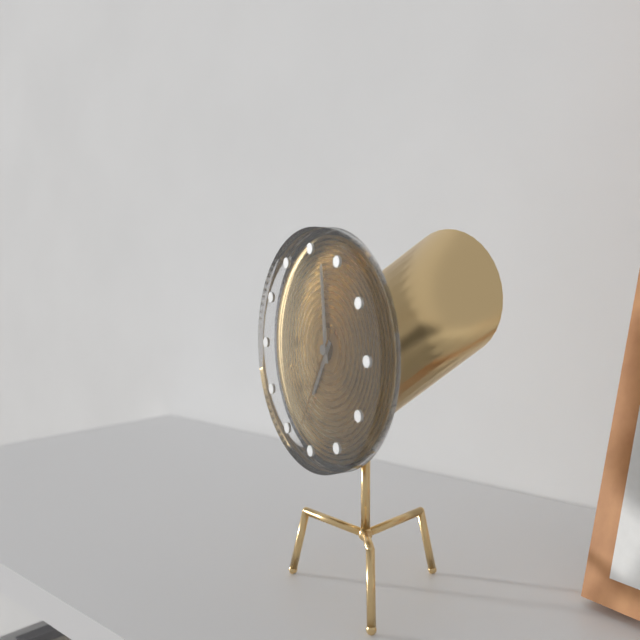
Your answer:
h=6 m=59 s=35
